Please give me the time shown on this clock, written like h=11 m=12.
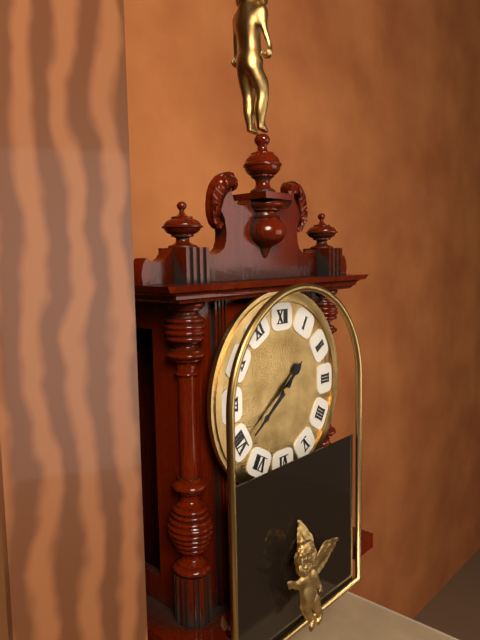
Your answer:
h=1 m=39
